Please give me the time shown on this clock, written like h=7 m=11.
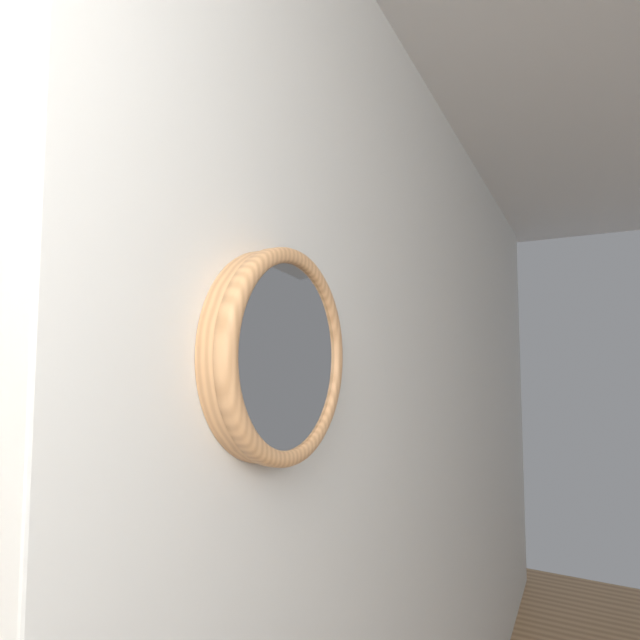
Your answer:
h=9 m=59
